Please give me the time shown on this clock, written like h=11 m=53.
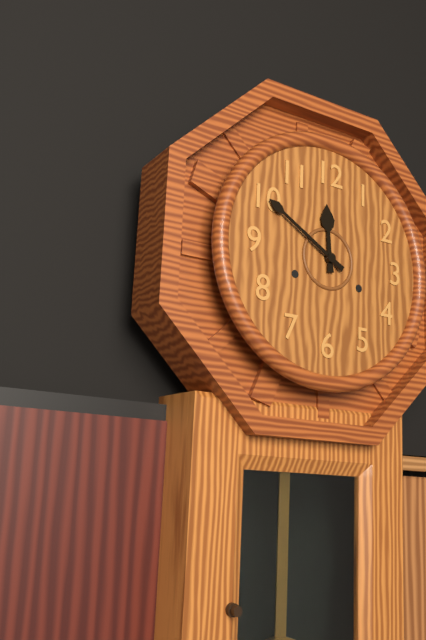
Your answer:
h=11 m=50
